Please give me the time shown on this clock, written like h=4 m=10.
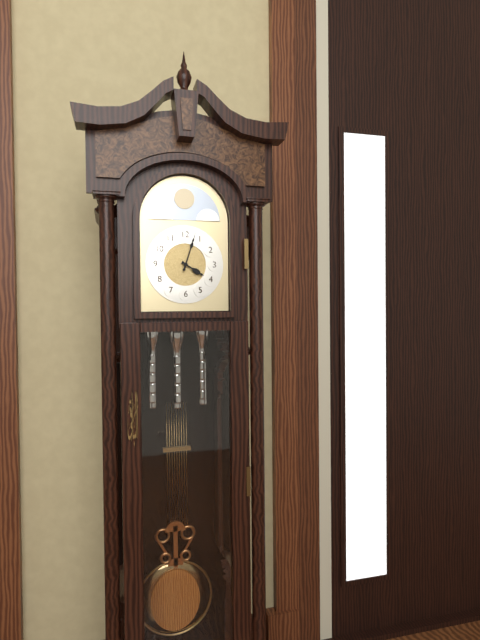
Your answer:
h=4 m=3
